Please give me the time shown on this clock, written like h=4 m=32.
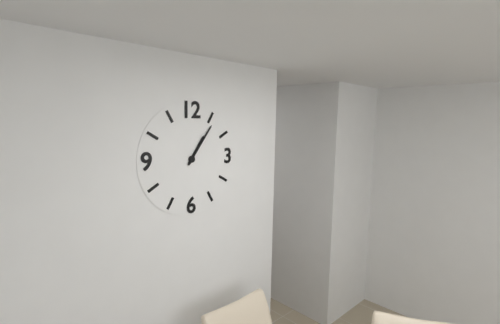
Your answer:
h=1 m=6
